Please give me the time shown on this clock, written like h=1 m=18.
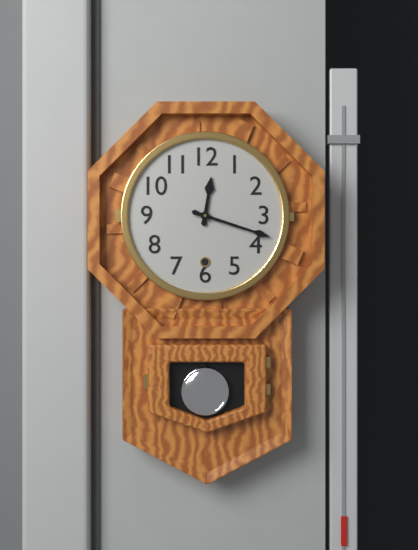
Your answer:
h=12 m=18
